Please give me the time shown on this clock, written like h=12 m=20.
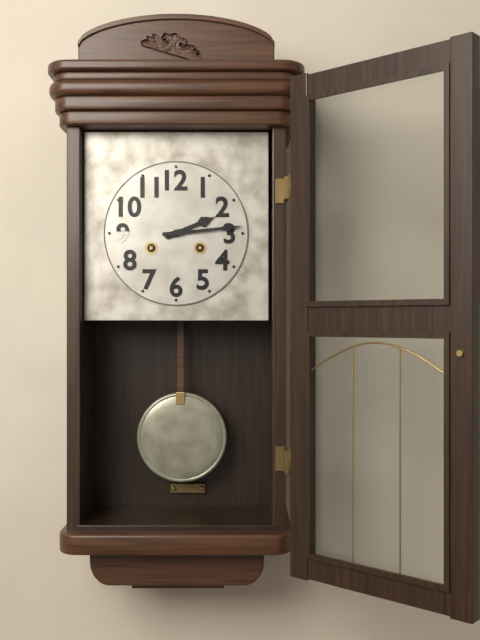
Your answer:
h=2 m=14
